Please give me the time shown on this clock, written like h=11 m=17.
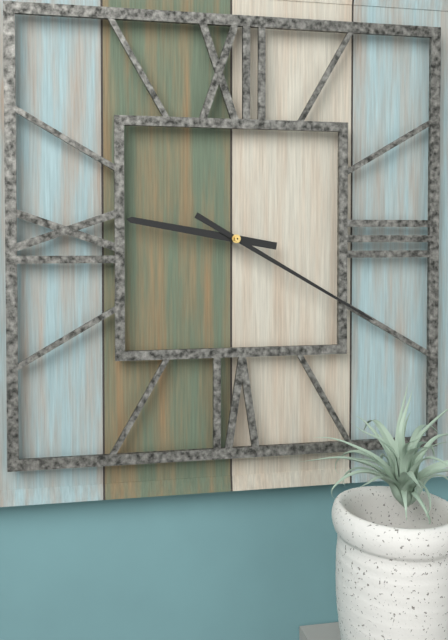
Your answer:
h=9 m=20
